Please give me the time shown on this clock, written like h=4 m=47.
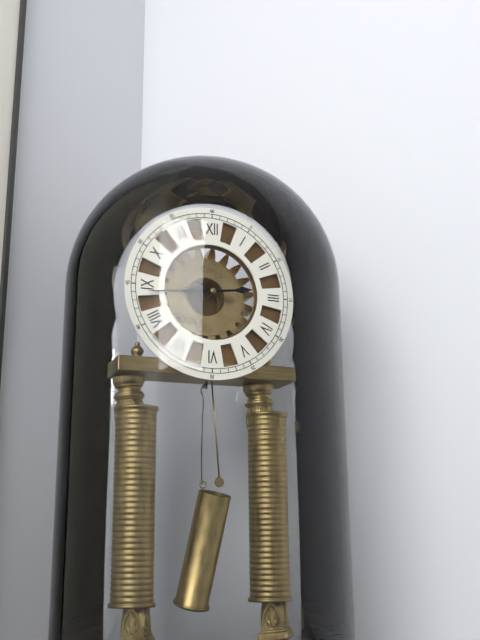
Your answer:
h=2 m=44
